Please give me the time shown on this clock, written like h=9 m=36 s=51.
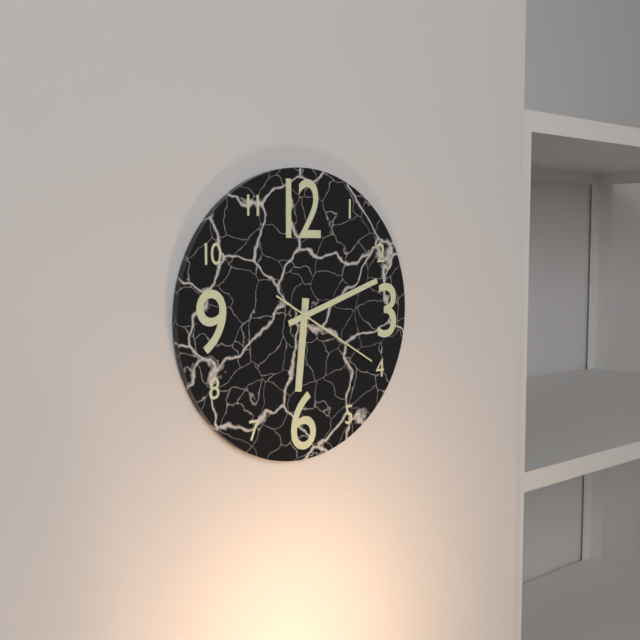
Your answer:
h=6 m=12 s=20
